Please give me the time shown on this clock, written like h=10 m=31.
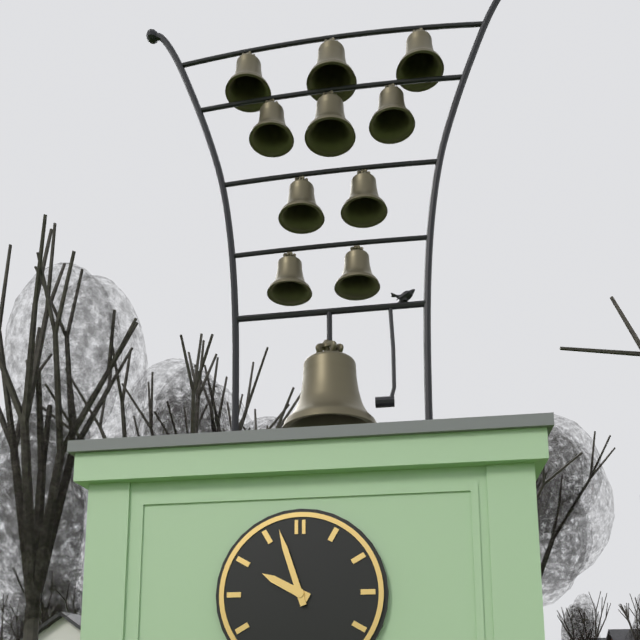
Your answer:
h=9 m=57
